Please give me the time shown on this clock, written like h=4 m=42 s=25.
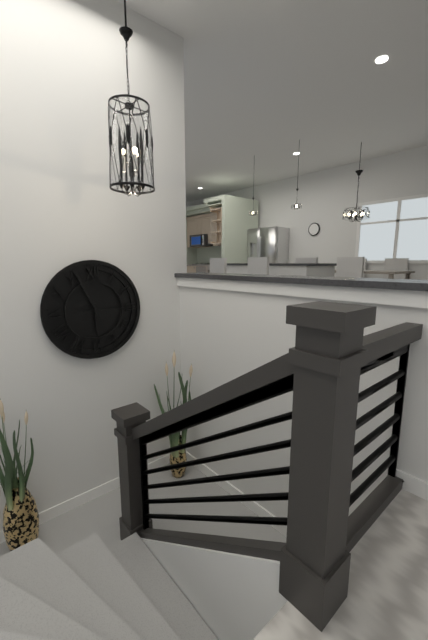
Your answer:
h=5 m=56 s=15
